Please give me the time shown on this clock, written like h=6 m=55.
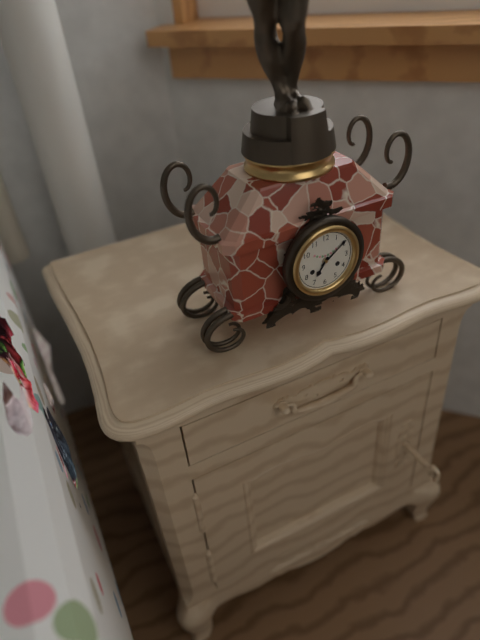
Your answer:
h=7 m=9
